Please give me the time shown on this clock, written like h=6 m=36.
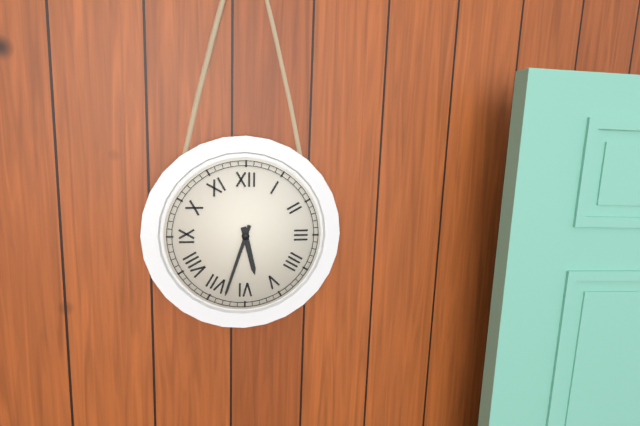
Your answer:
h=5 m=33
